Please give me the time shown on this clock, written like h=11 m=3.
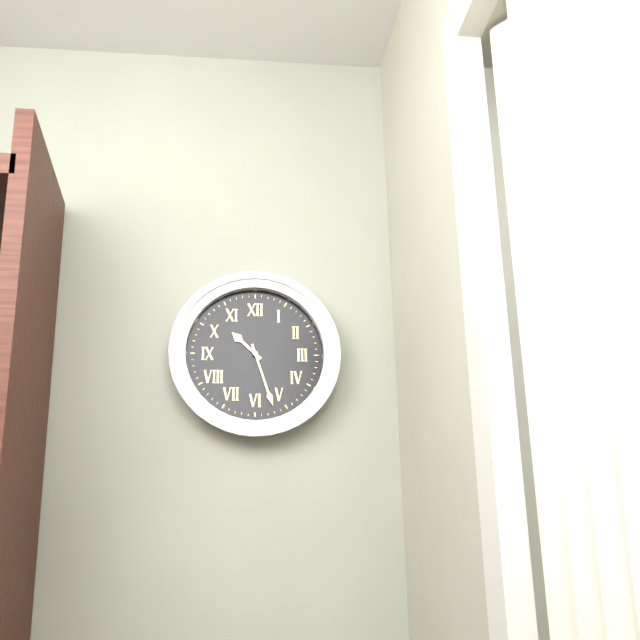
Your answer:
h=10 m=27
